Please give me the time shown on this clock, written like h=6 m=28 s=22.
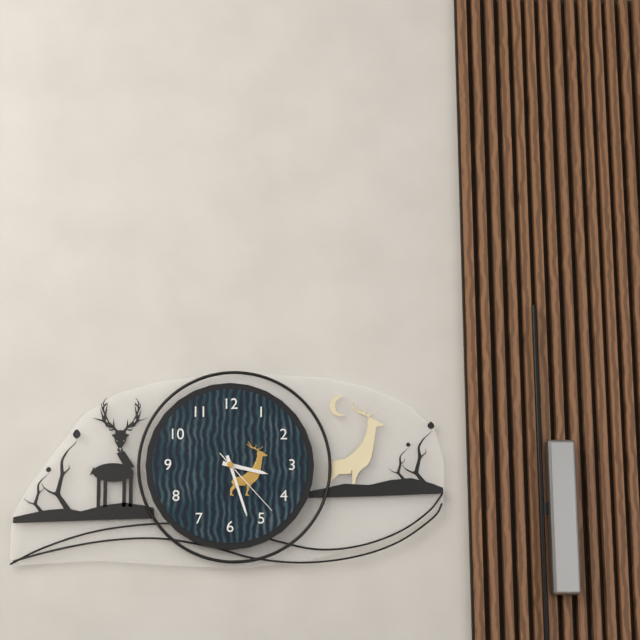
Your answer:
h=3 m=27 s=23
